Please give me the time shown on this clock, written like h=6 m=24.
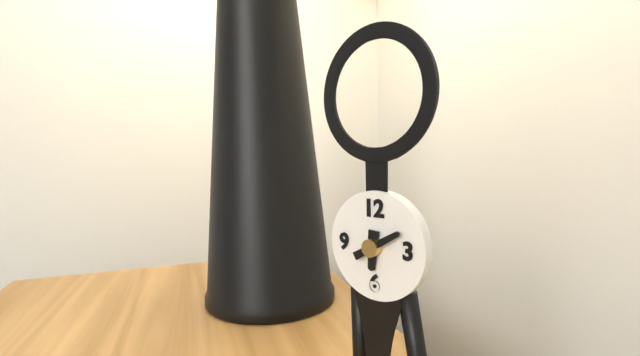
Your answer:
h=6 m=10
